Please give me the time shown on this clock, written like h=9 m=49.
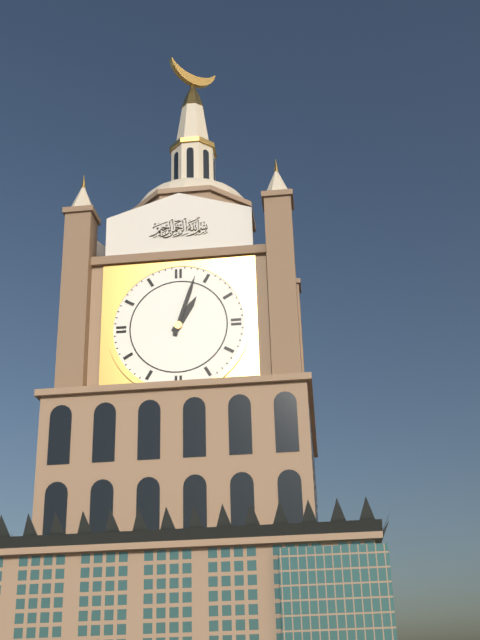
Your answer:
h=1 m=3
